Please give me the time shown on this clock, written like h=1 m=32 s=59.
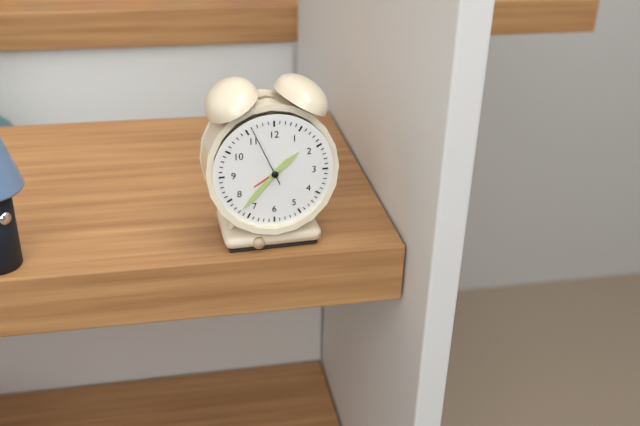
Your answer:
h=1 m=37 s=56
